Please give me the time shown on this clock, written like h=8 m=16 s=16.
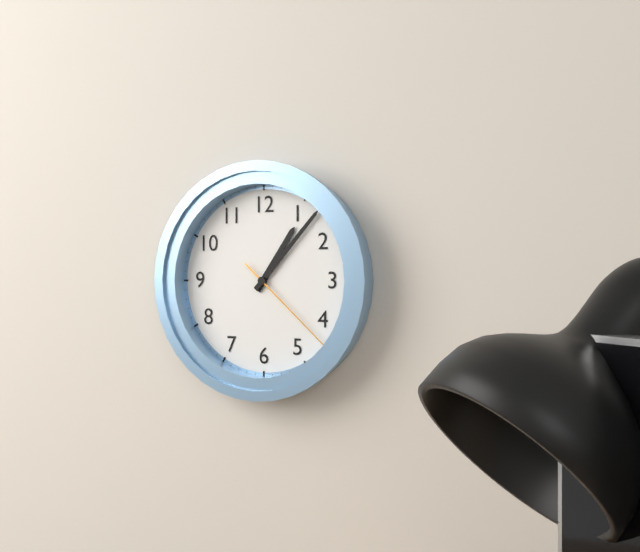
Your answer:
h=1 m=7 s=22
